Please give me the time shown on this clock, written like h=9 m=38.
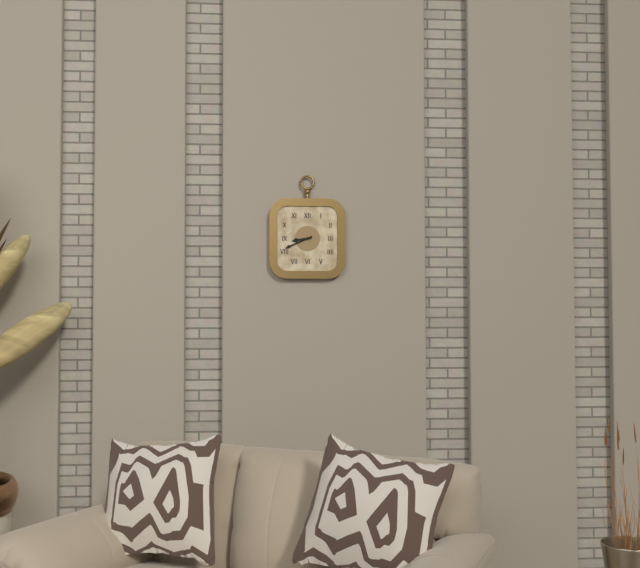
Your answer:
h=8 m=41
